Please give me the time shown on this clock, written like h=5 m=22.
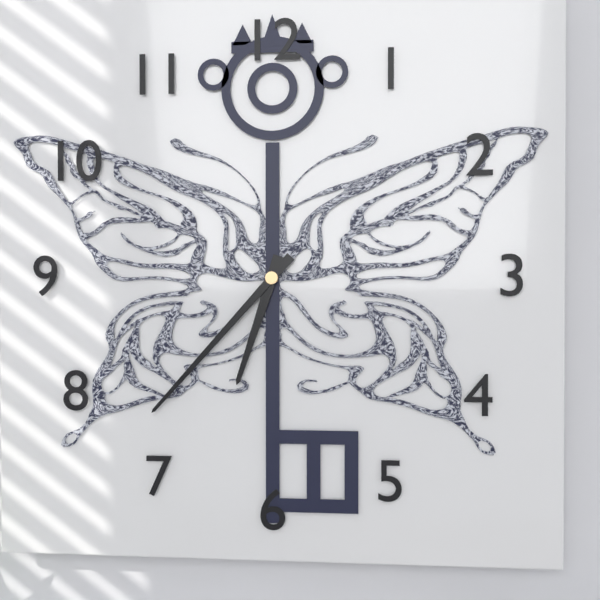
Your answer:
h=6 m=37
